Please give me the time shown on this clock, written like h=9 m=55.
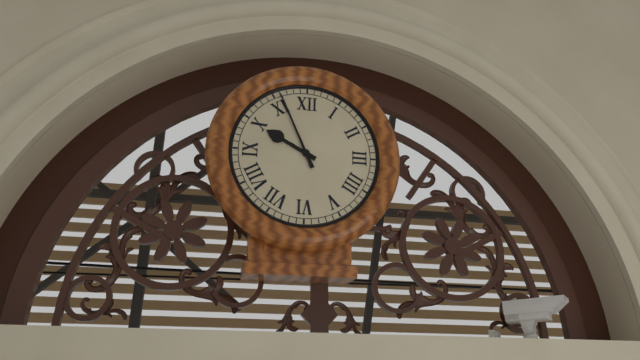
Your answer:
h=9 m=56
